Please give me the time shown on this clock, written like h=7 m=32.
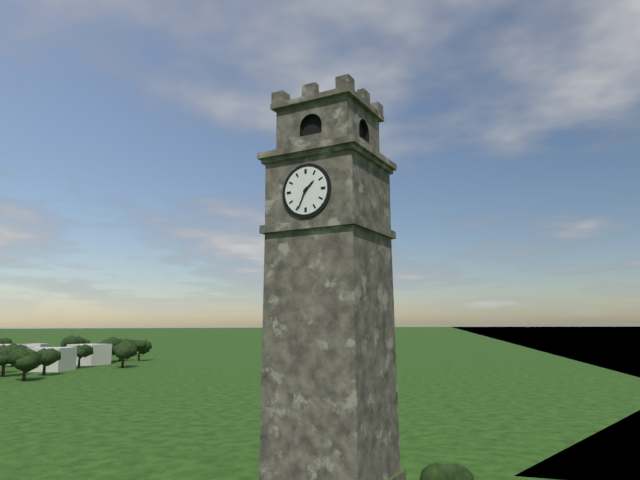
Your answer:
h=1 m=34
